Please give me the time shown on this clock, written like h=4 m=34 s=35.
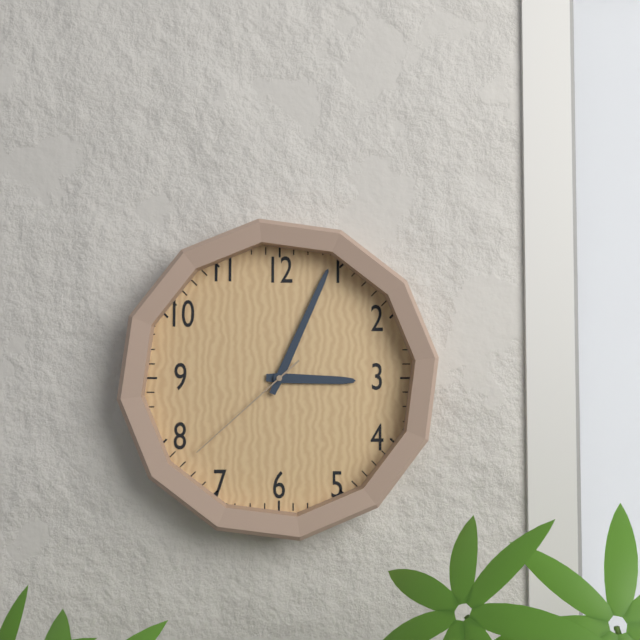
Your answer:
h=3 m=4 s=38
